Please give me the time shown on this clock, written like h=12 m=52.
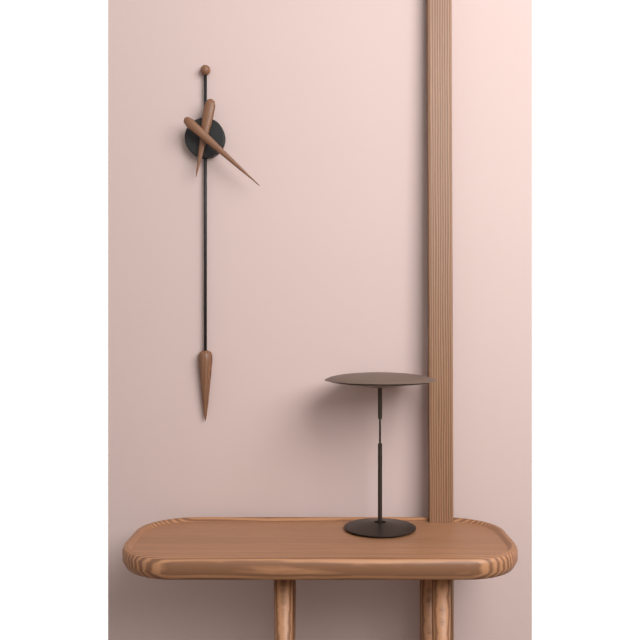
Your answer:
h=6 m=22
